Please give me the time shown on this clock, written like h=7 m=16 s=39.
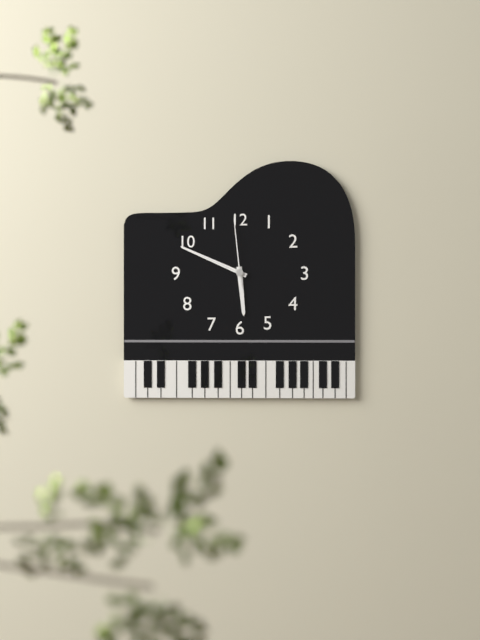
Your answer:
h=5 m=49 s=59
